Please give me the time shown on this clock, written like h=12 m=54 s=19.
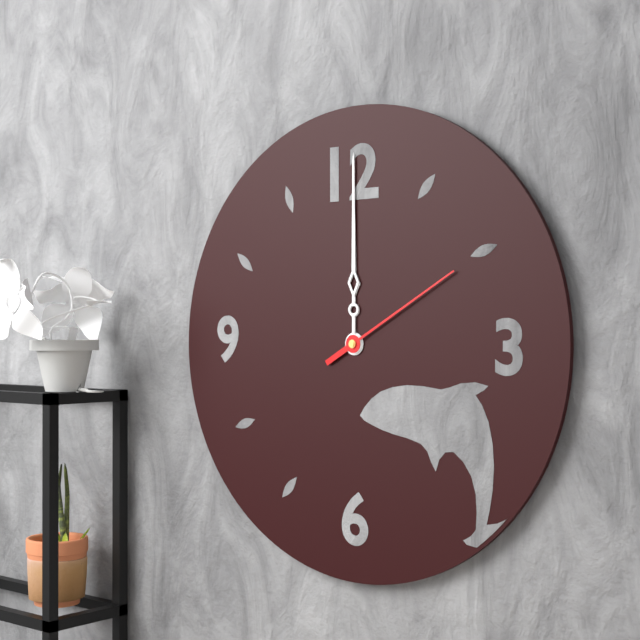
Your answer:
h=12 m=0 s=10
